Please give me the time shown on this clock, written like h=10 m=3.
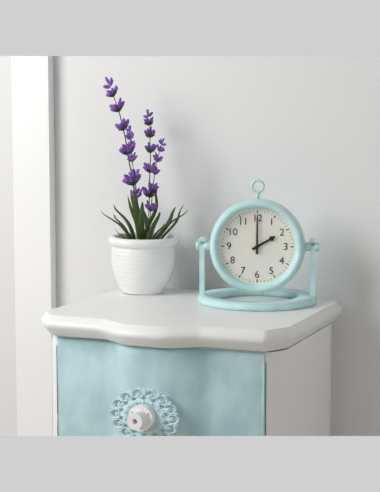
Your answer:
h=2 m=0
